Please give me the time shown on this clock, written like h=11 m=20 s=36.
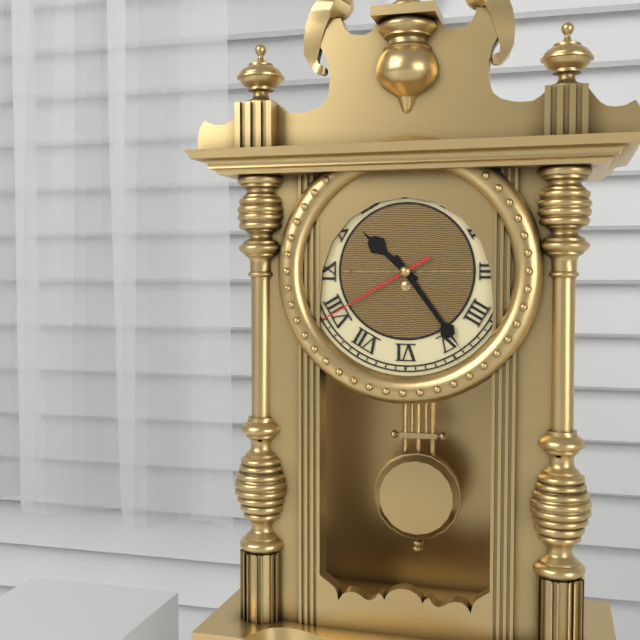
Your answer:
h=10 m=24 s=40
